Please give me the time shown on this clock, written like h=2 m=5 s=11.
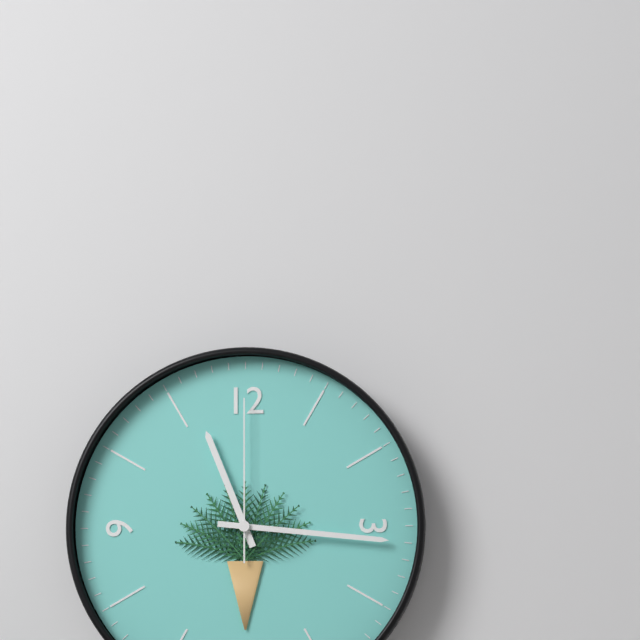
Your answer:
h=11 m=16 s=0
